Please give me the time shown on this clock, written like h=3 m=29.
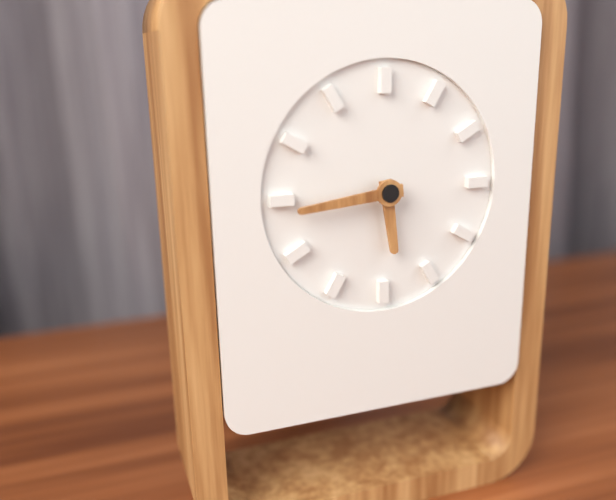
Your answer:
h=5 m=44
